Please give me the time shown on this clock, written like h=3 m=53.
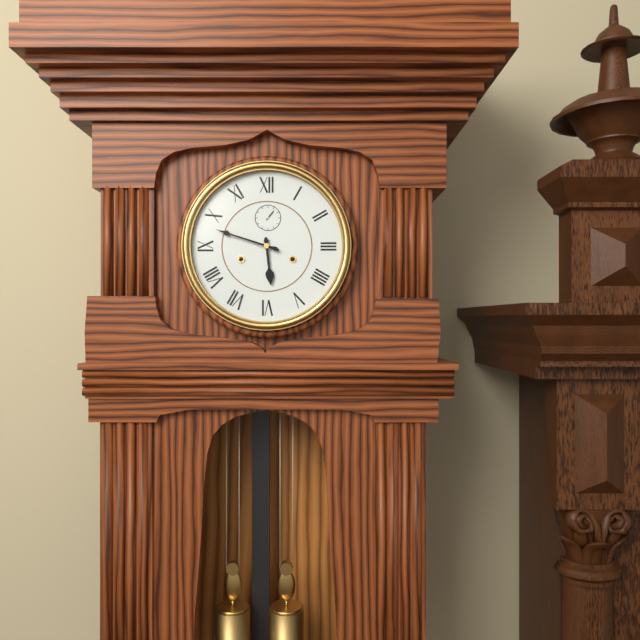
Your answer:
h=5 m=48
